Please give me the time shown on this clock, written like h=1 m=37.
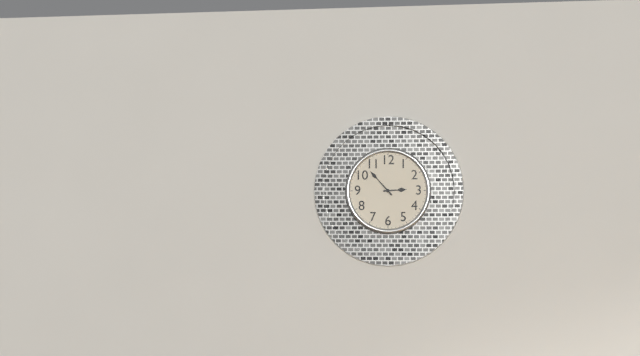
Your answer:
h=2 m=53
